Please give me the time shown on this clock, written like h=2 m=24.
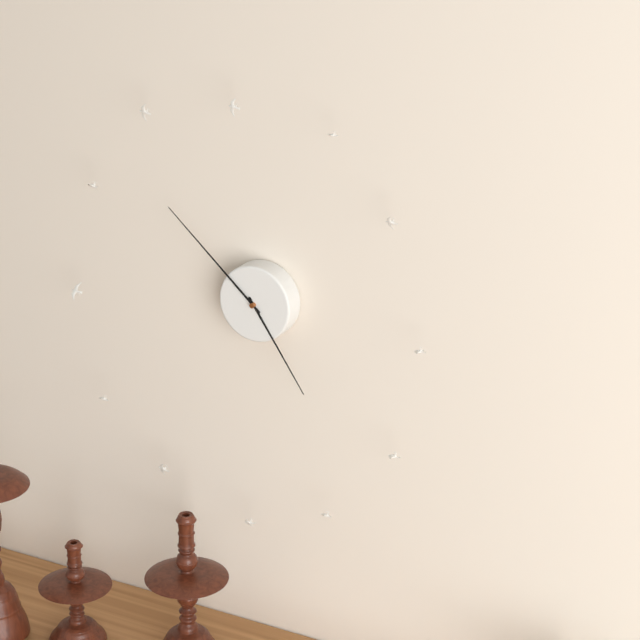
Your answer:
h=4 m=52
